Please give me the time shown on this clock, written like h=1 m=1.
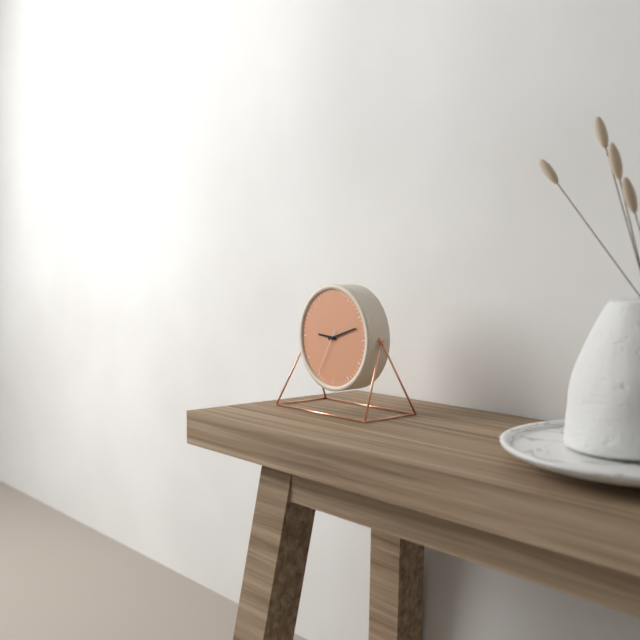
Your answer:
h=9 m=12
